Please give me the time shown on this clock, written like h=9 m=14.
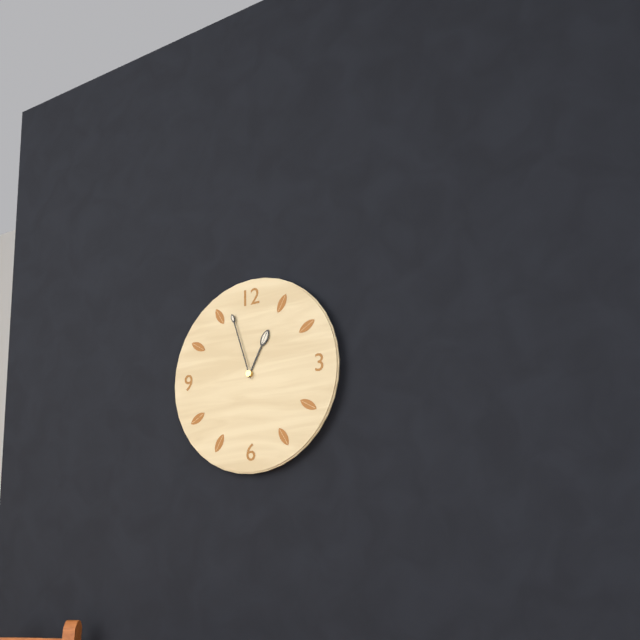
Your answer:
h=12 m=57
